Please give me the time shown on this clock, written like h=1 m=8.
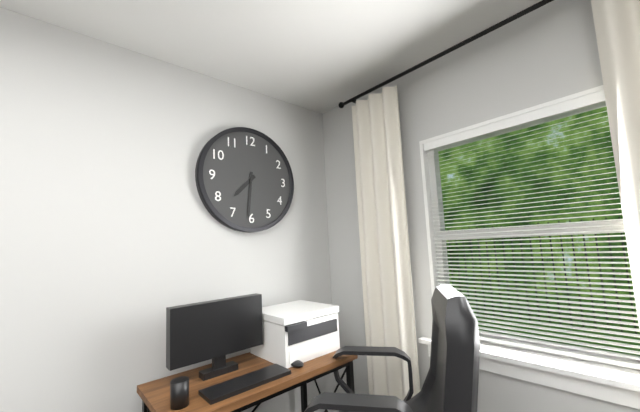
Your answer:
h=7 m=31
